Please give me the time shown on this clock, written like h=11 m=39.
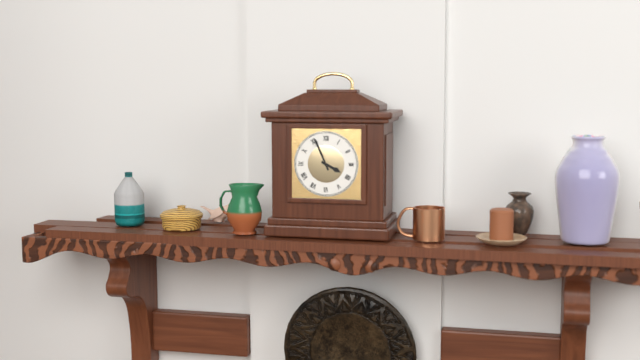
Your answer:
h=3 m=56
